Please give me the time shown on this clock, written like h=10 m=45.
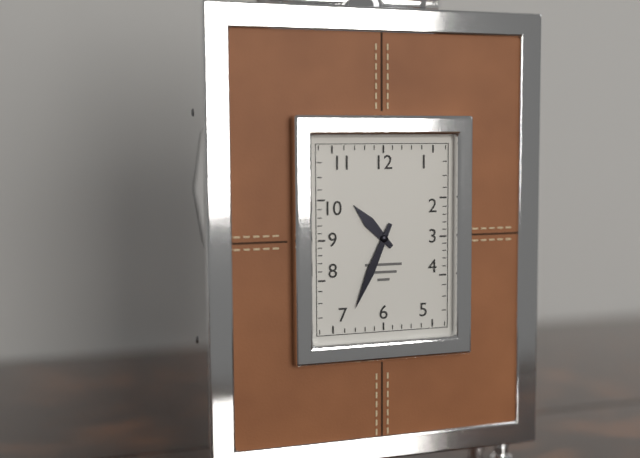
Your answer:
h=10 m=34
